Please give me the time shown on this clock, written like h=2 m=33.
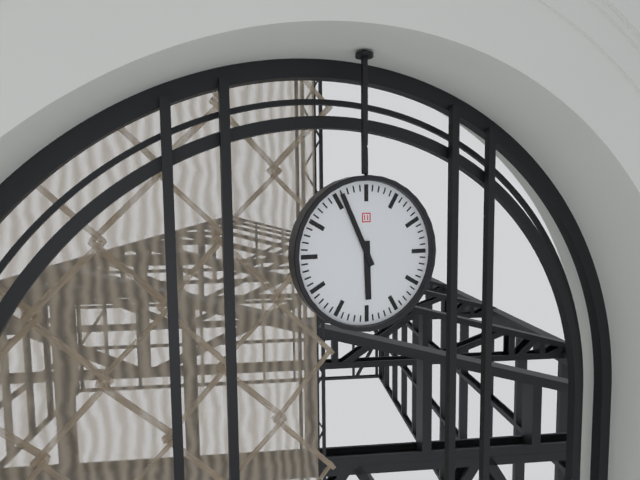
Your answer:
h=5 m=56
